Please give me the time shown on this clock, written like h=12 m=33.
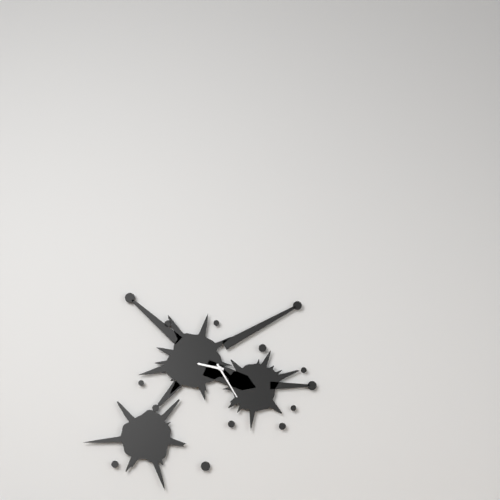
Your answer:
h=9 m=25
